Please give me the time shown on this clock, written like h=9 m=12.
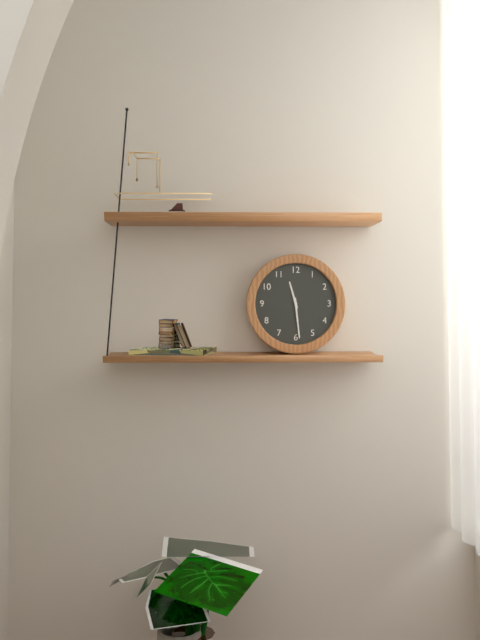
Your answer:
h=11 m=29
